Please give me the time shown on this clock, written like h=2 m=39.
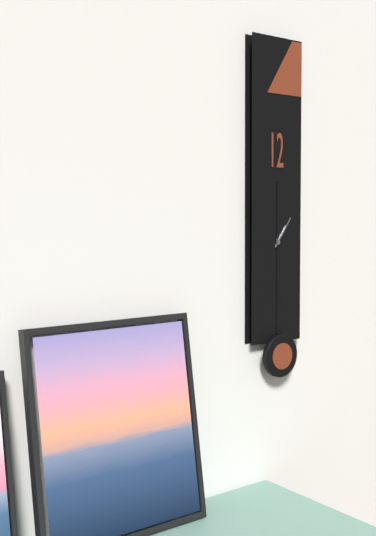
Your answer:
h=1 m=6
